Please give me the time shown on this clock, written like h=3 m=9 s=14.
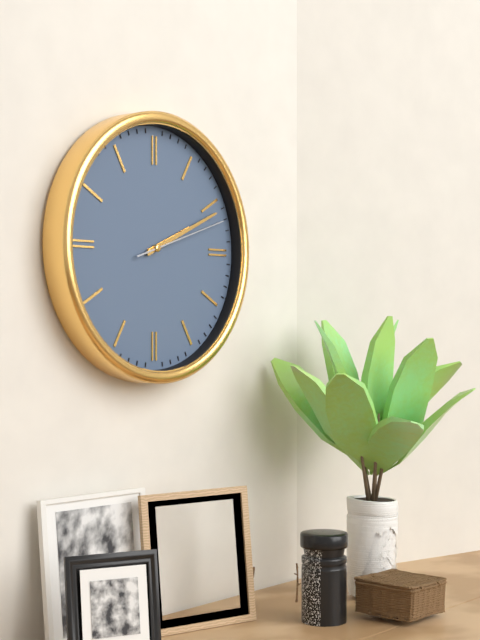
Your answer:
h=2 m=11 s=12
